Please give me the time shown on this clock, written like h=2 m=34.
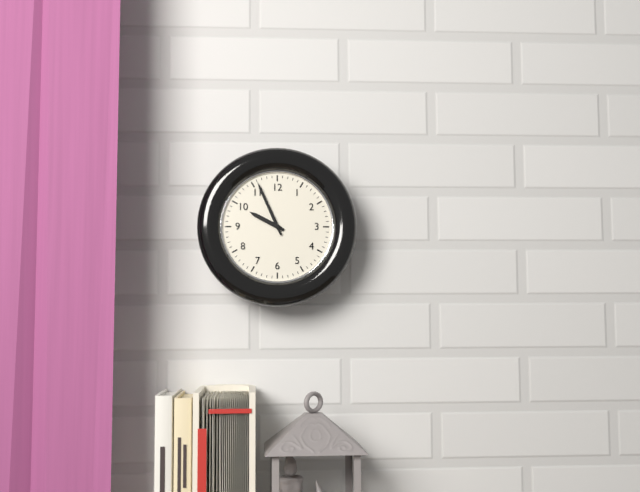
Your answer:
h=9 m=56
